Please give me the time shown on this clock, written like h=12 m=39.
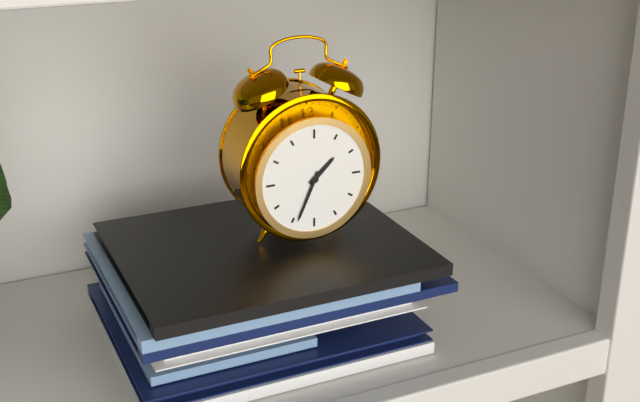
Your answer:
h=1 m=34
